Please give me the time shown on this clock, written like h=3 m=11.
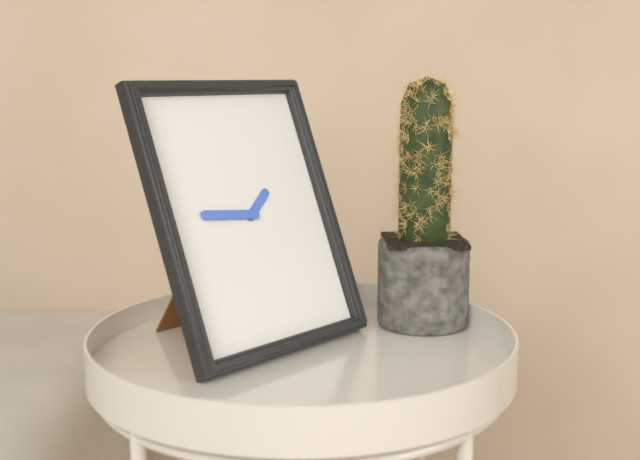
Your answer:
h=1 m=46
